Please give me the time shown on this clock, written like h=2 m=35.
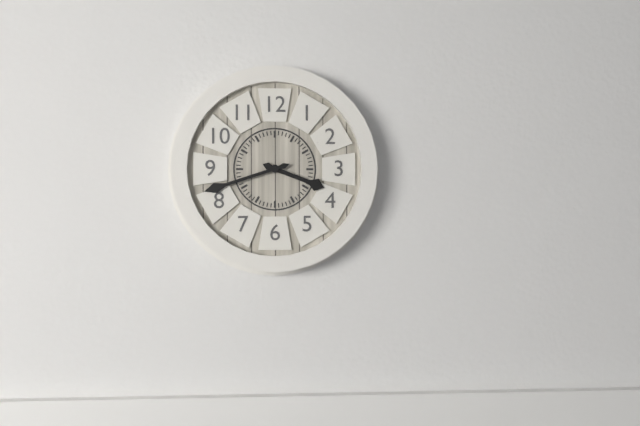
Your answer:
h=3 m=42
